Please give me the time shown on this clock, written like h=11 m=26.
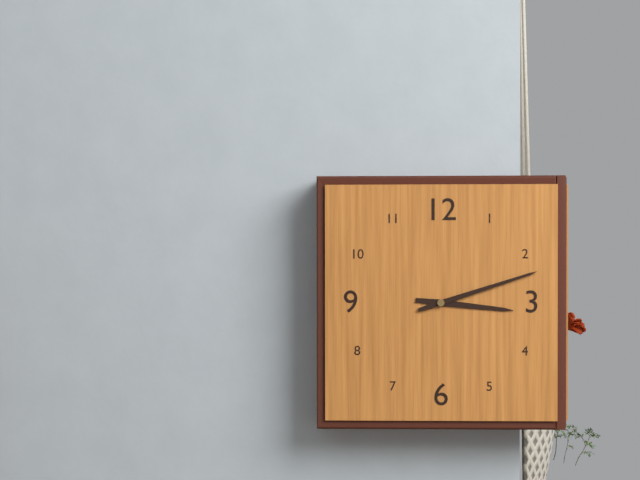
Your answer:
h=3 m=12
